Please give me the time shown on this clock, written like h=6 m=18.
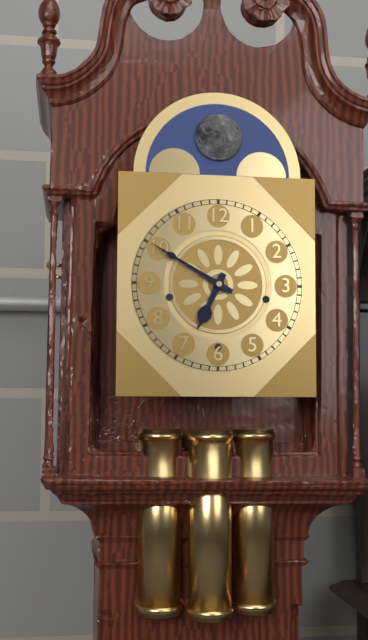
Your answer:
h=6 m=50
